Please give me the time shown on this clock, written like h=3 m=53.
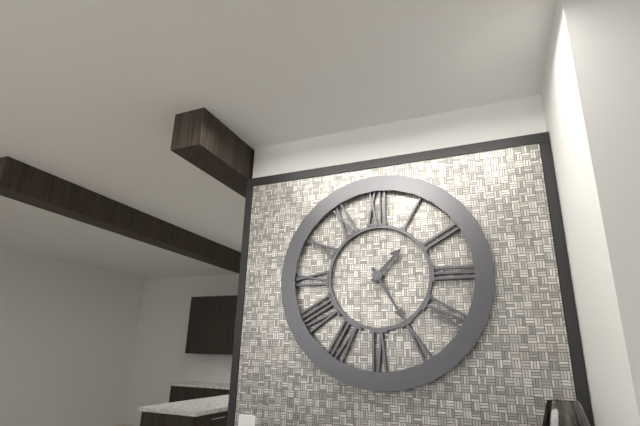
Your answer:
h=1 m=25
